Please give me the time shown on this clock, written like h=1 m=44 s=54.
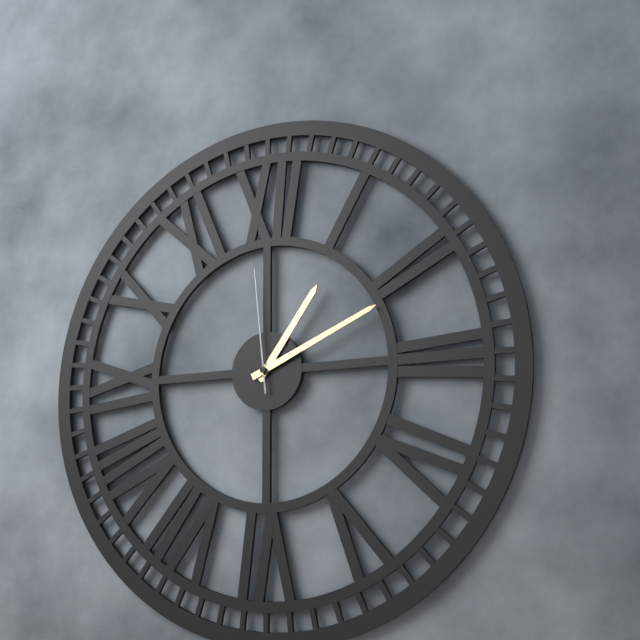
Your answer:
h=1 m=11 s=59
